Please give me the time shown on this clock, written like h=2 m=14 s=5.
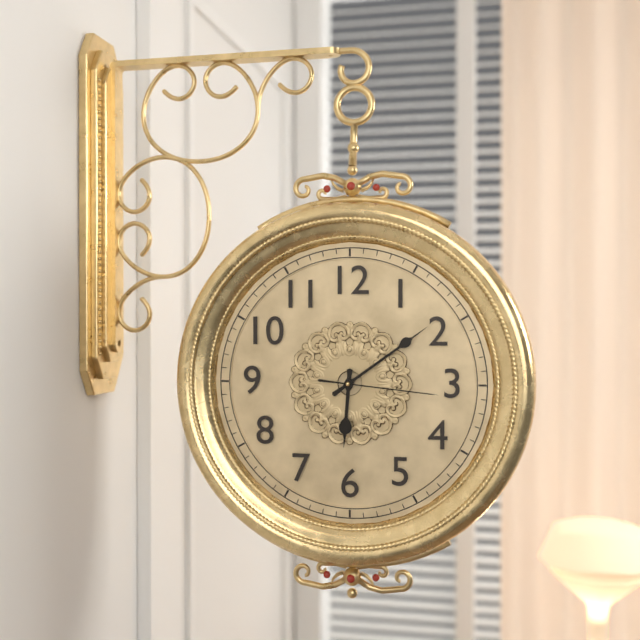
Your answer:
h=6 m=9 s=16
